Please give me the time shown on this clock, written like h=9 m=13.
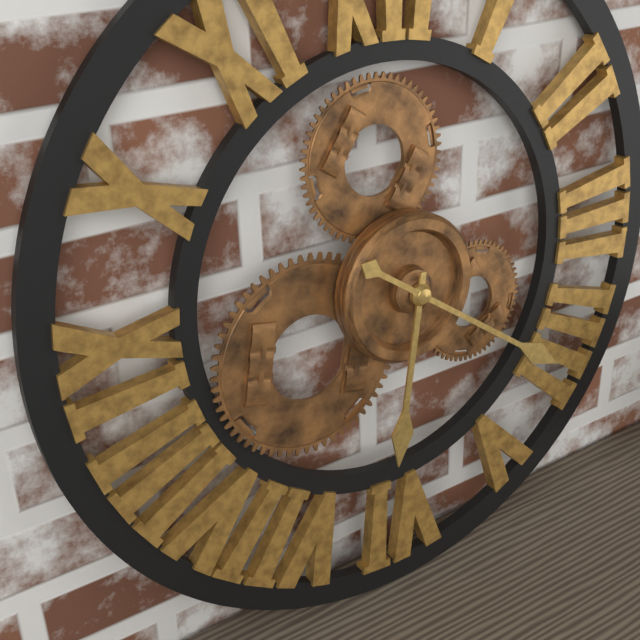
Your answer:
h=6 m=21
